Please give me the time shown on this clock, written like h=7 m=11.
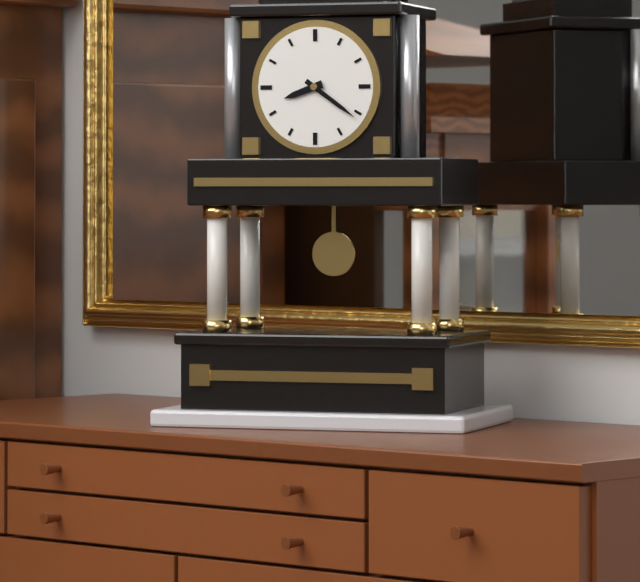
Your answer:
h=8 m=21
